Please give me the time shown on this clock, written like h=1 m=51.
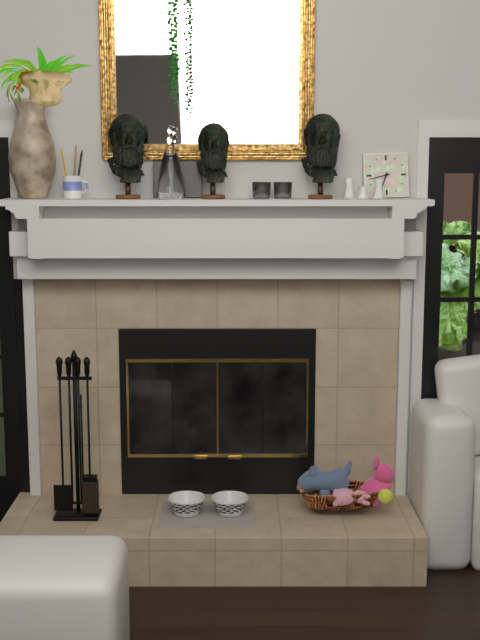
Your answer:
h=6 m=43
